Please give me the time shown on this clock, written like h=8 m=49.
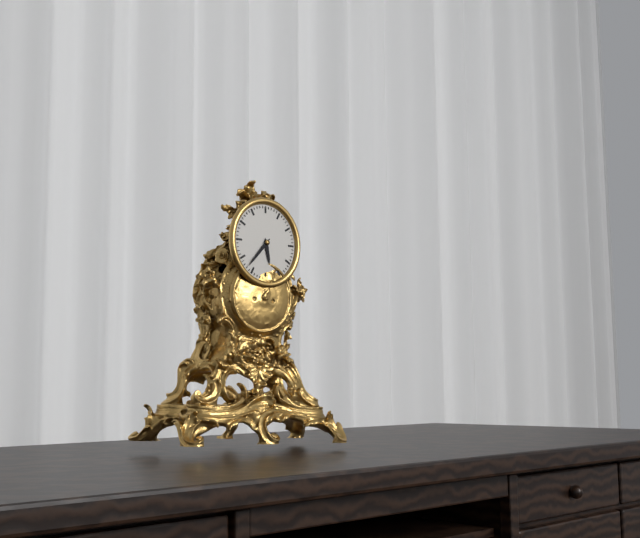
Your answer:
h=5 m=37
